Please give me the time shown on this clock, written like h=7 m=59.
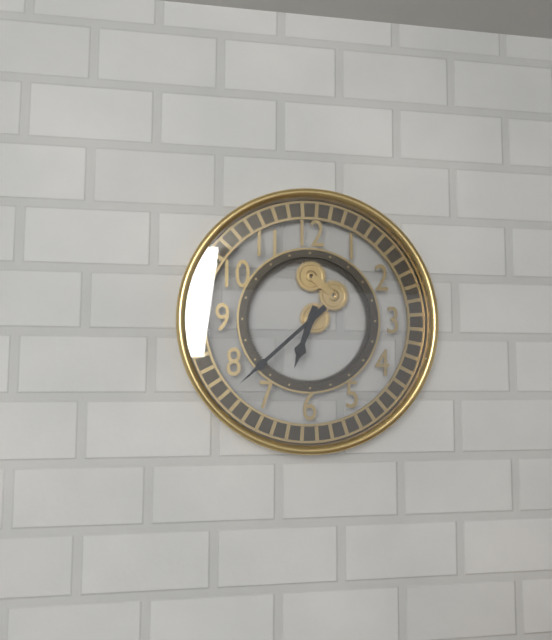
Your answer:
h=6 m=38
